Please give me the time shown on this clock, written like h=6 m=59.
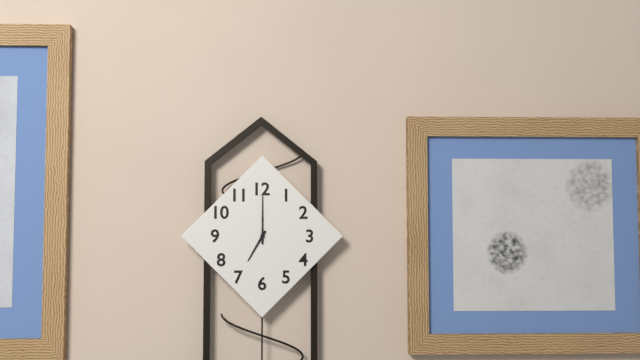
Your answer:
h=7 m=0
